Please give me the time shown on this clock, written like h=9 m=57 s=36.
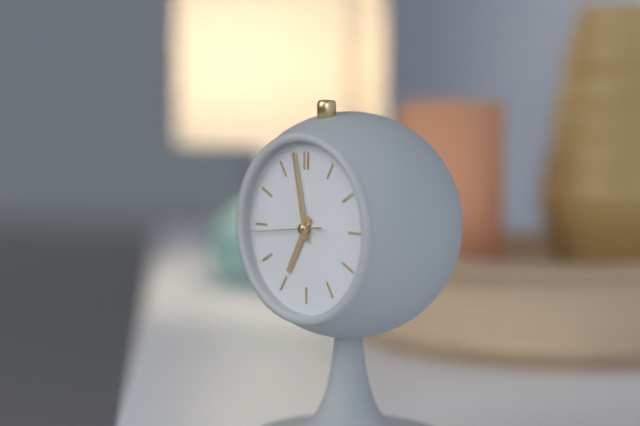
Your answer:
h=6 m=58 s=44
